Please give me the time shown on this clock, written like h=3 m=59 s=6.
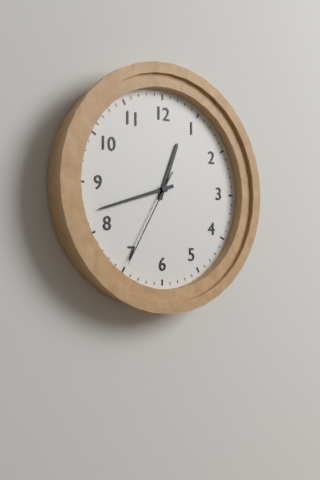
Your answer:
h=12 m=42 s=35
